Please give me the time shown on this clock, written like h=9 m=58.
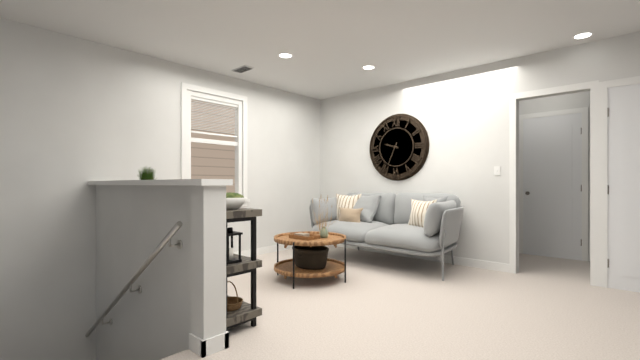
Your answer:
h=9 m=34
